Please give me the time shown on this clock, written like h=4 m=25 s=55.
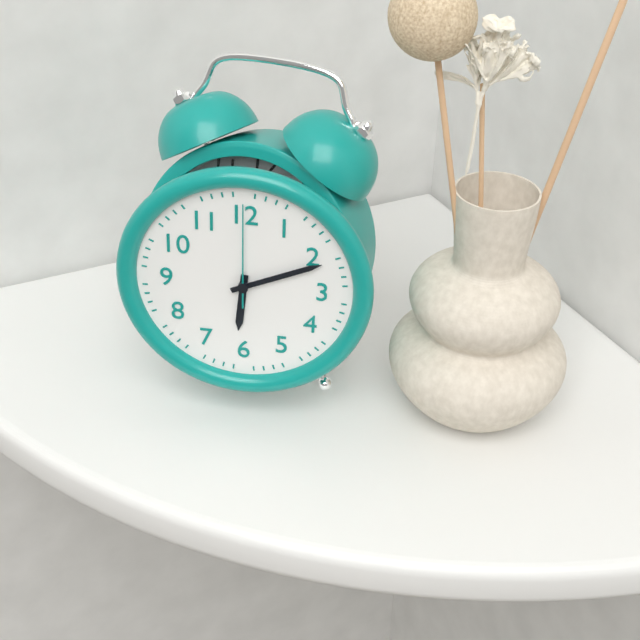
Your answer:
h=6 m=11 s=0
